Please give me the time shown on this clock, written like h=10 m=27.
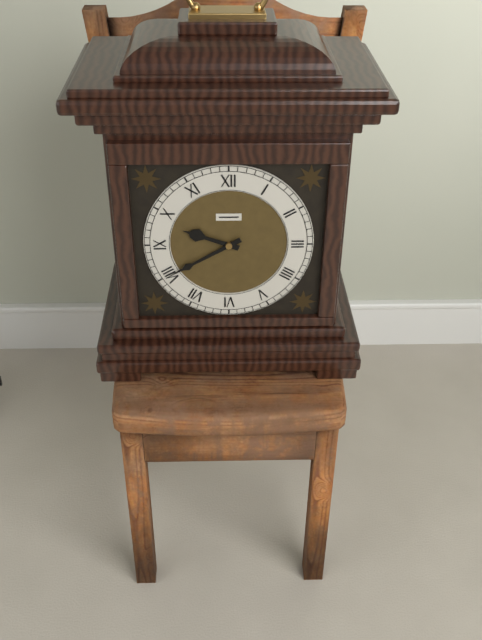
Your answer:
h=9 m=40
